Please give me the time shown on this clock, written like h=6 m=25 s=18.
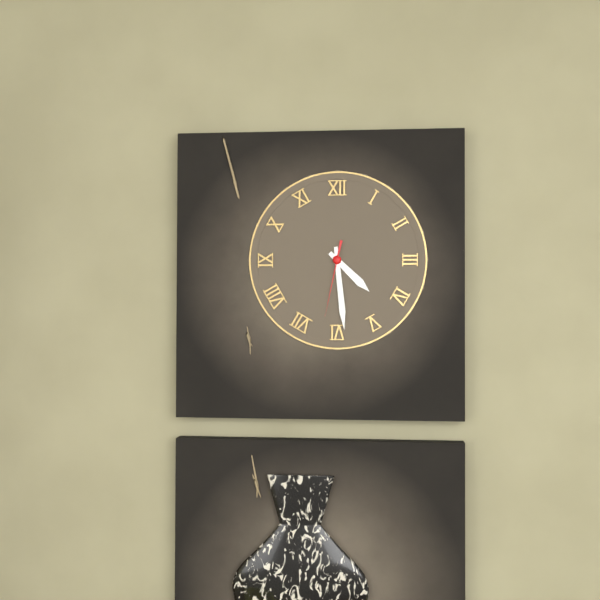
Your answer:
h=4 m=29 s=32
